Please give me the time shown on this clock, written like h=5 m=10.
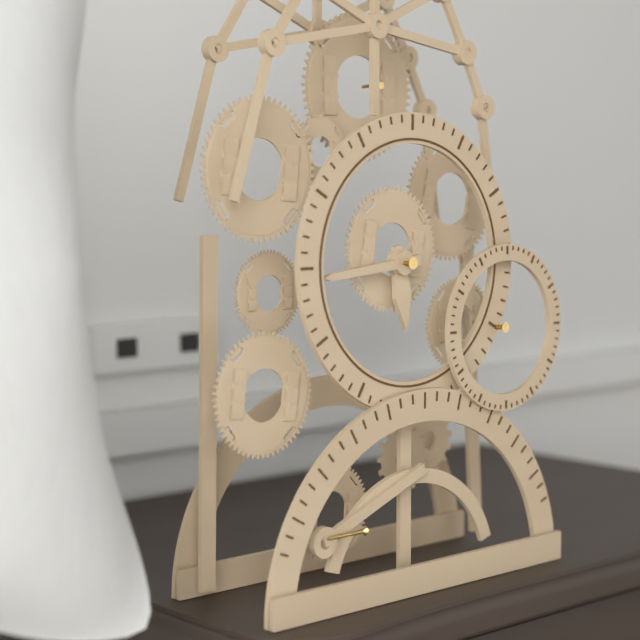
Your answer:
h=5 m=44
